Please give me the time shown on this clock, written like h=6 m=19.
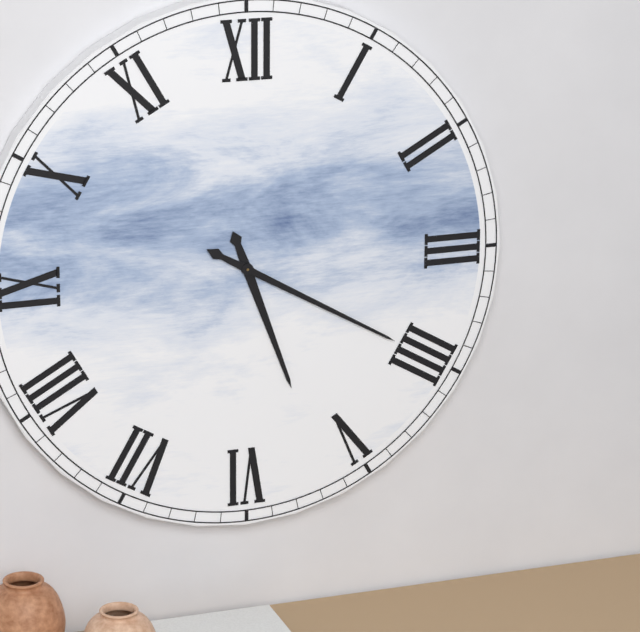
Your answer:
h=5 m=20
